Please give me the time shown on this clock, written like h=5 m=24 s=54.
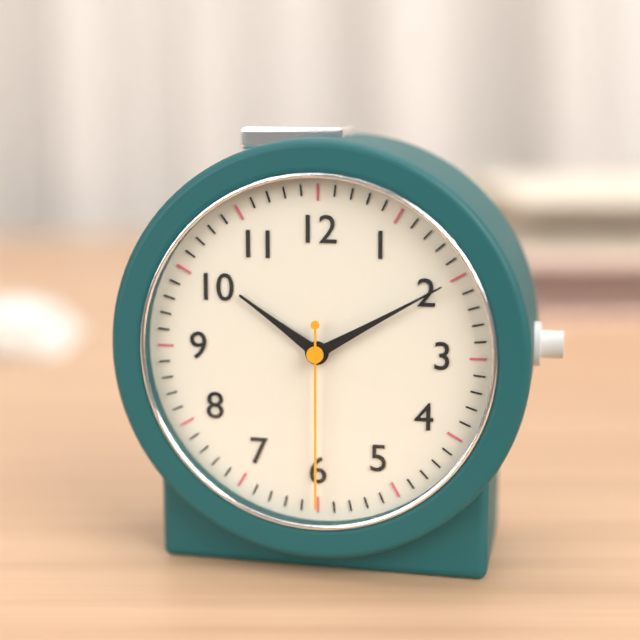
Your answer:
h=10 m=10 s=30
